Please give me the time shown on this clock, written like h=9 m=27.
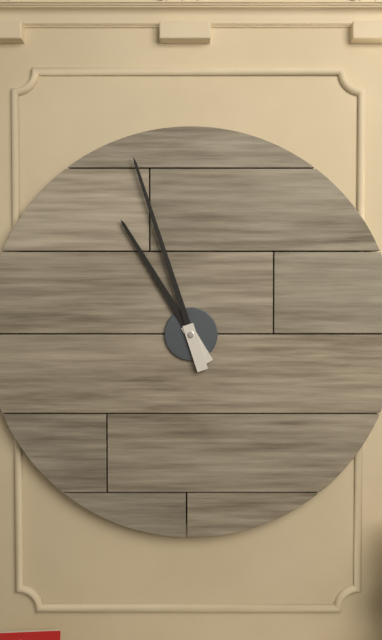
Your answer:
h=10 m=57
